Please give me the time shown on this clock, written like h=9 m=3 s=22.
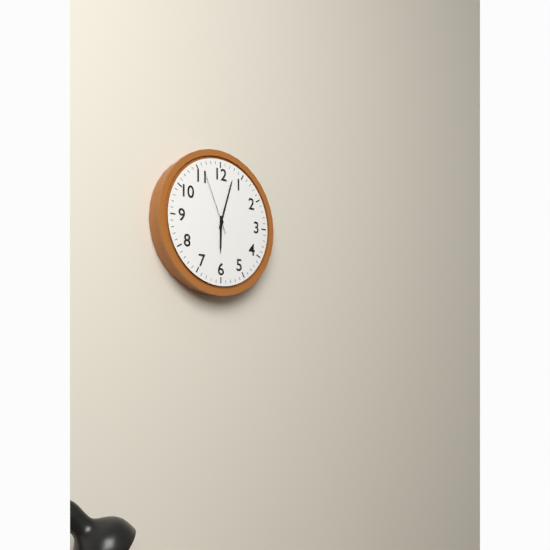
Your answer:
h=6 m=3 s=56
